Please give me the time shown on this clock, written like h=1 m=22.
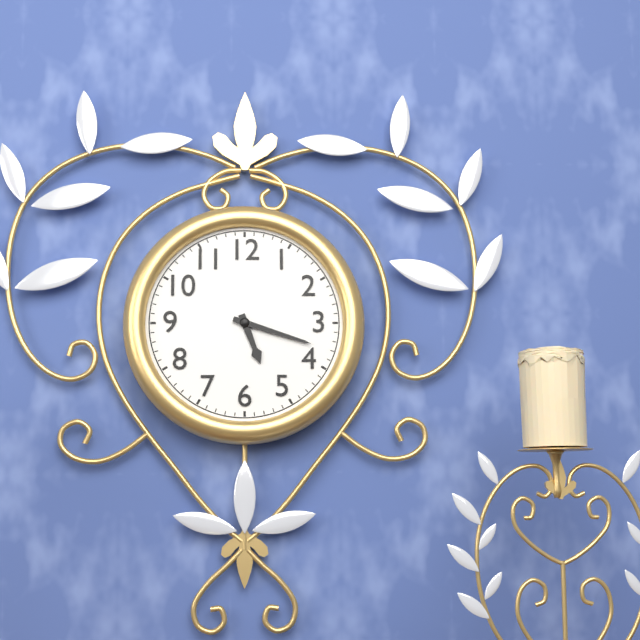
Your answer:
h=5 m=18
